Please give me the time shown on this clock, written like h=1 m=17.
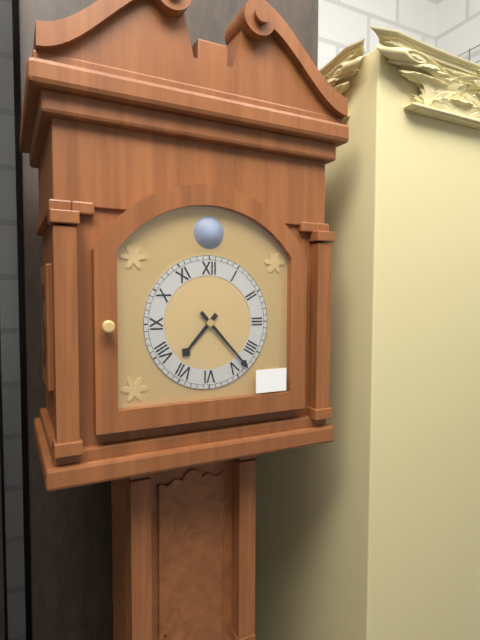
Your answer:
h=7 m=23
